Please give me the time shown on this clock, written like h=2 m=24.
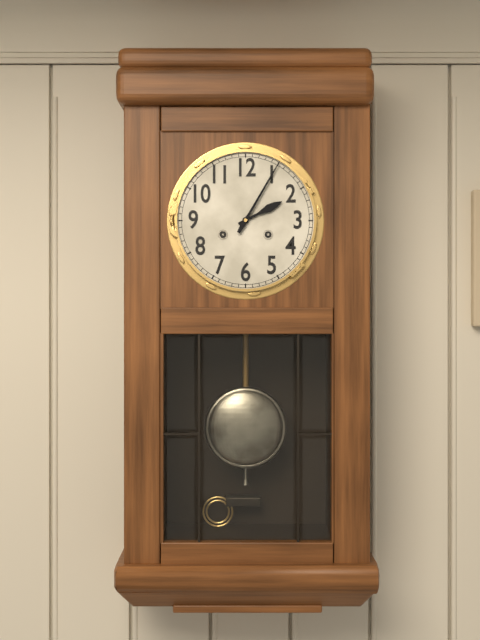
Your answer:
h=2 m=5
